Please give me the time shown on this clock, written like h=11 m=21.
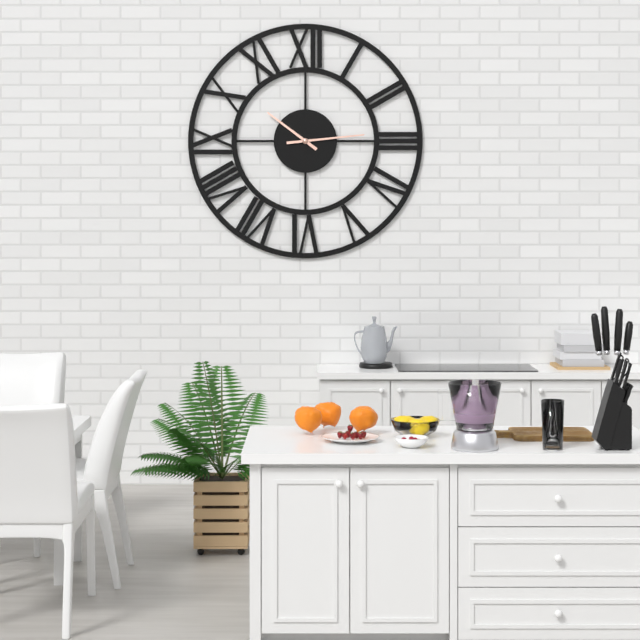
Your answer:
h=10 m=14
